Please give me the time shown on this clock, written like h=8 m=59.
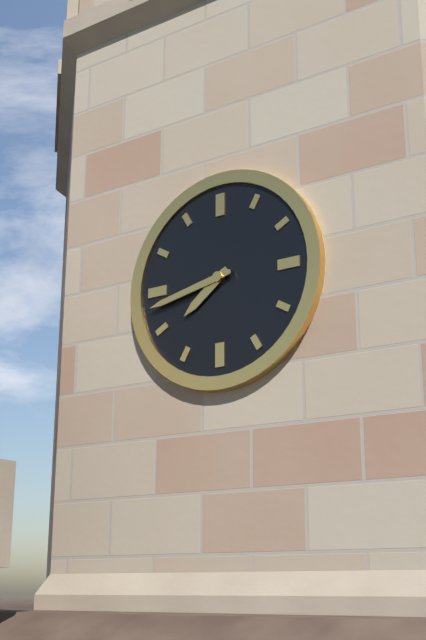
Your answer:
h=7 m=43
